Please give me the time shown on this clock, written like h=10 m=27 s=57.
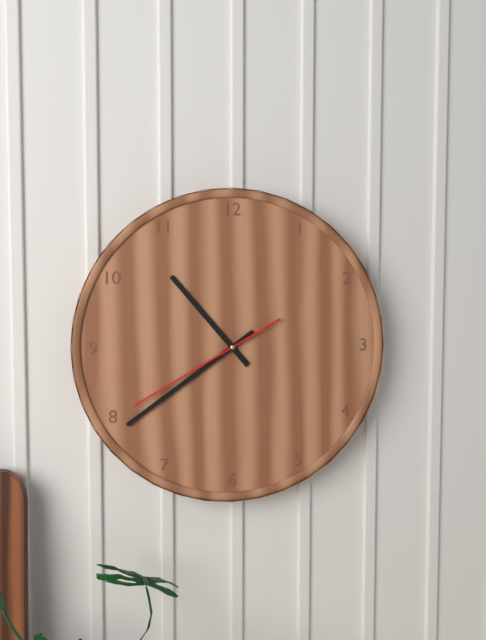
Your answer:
h=10 m=39 s=40
